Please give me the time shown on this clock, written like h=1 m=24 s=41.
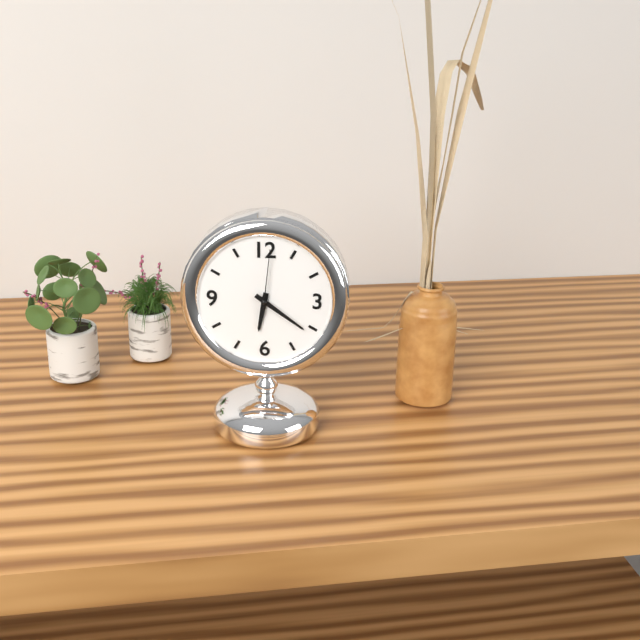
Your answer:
h=6 m=21 s=1
